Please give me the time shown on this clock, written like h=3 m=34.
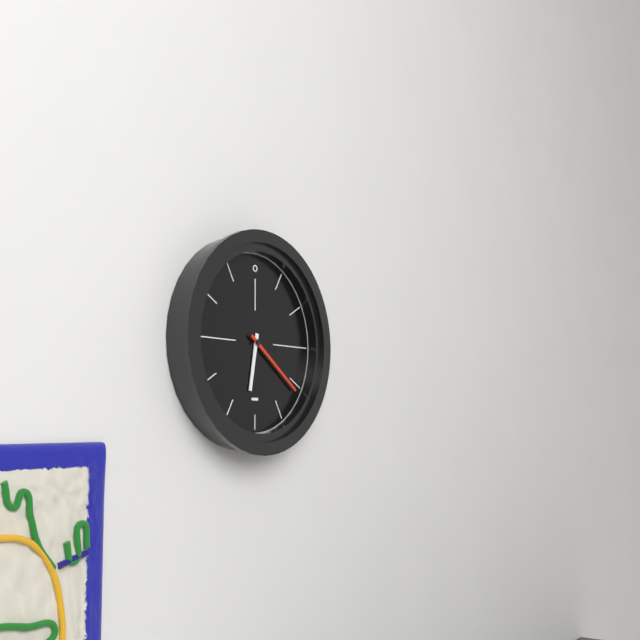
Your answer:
h=6 m=21
